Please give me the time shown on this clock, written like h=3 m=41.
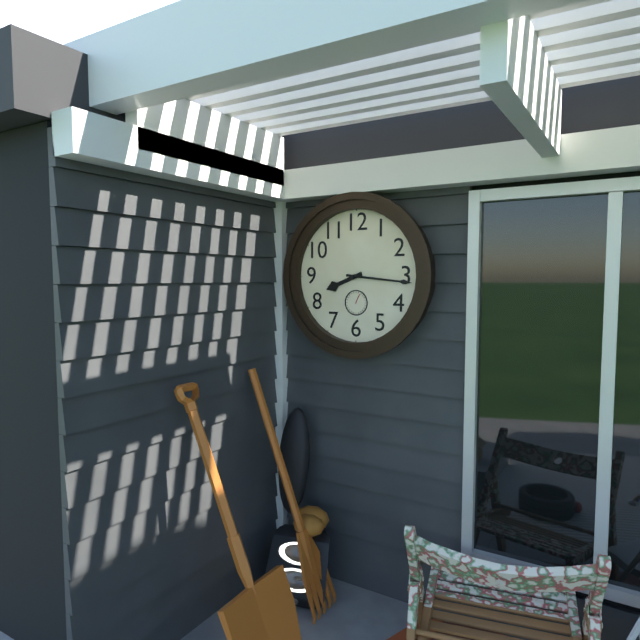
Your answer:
h=8 m=16
